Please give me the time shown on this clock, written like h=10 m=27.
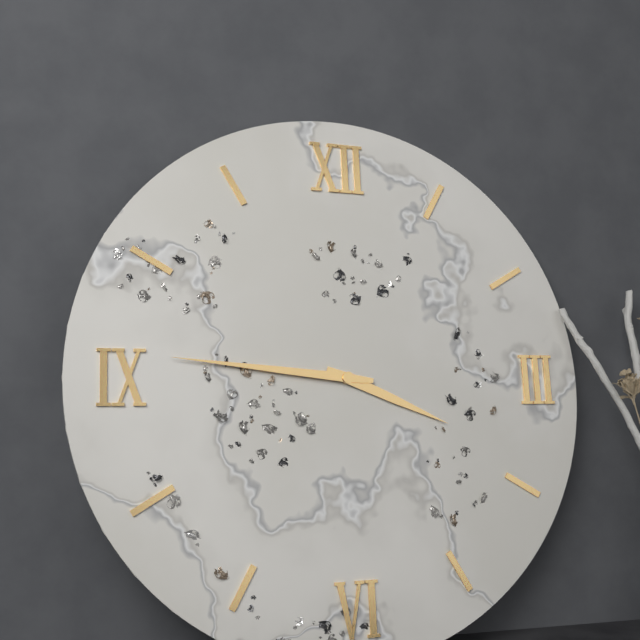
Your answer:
h=3 m=46
